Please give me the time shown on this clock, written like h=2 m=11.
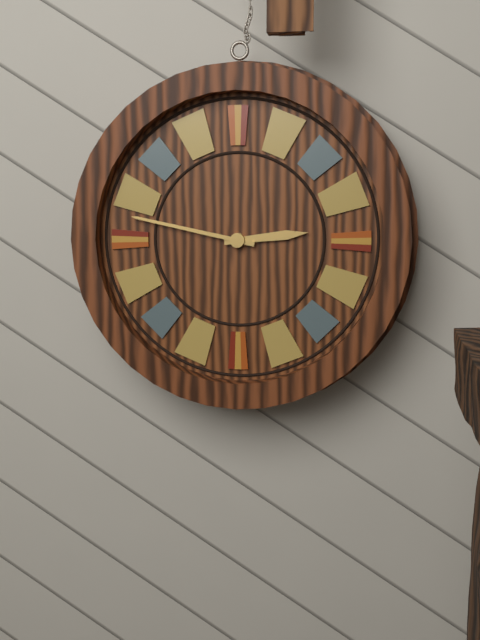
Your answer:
h=2 m=47
